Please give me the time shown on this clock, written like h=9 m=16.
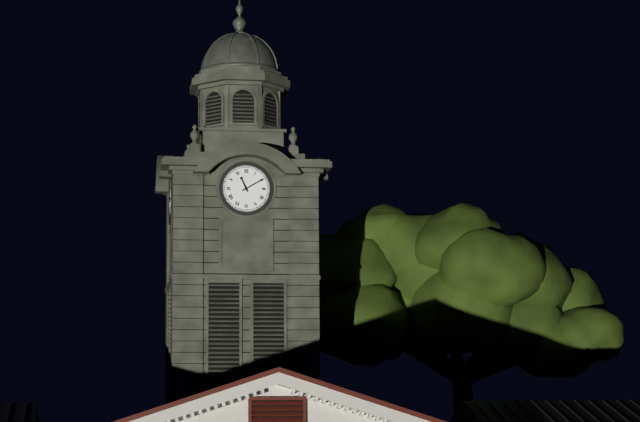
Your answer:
h=11 m=10
